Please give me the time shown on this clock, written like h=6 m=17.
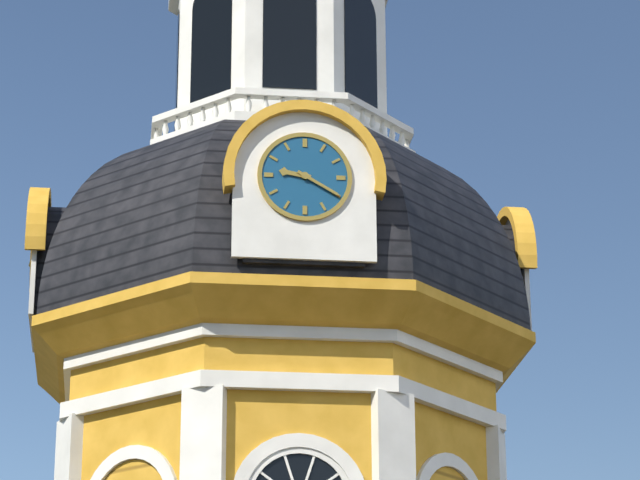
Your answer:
h=9 m=20
